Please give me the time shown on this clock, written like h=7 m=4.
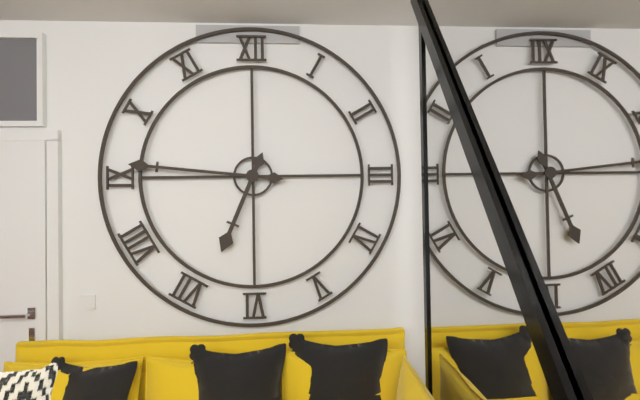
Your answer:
h=6 m=46
